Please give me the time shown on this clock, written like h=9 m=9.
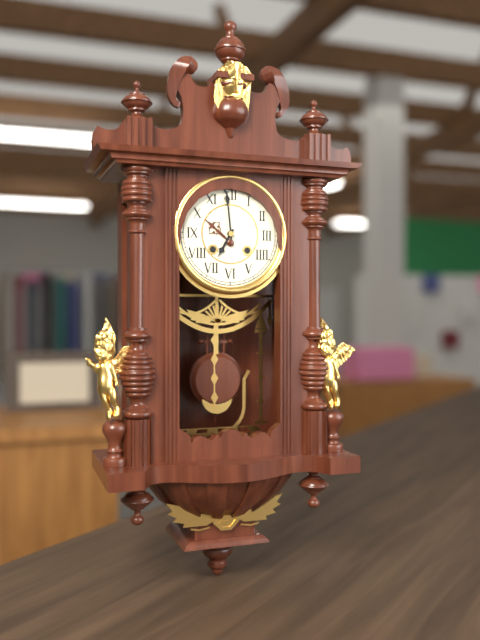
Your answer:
h=6 m=59
